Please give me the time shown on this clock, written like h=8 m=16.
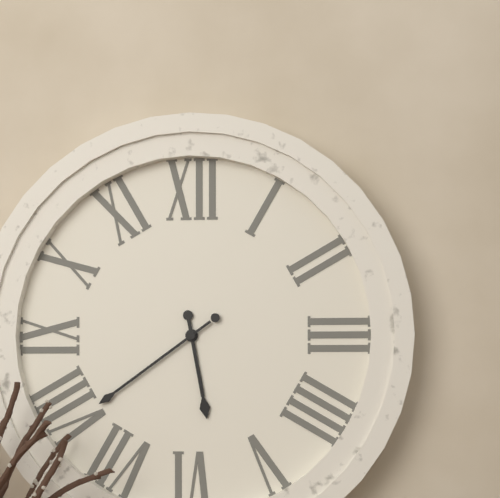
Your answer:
h=5 m=39
